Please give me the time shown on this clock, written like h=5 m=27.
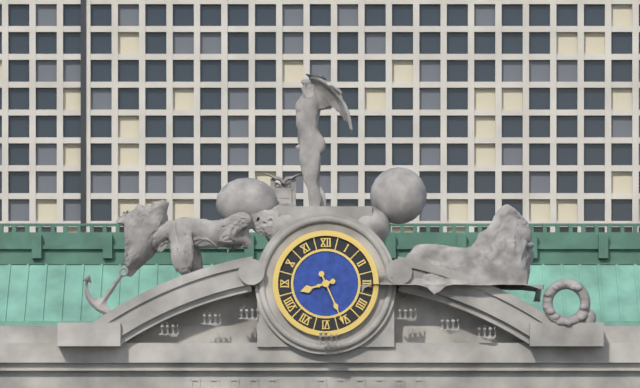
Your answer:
h=8 m=26
